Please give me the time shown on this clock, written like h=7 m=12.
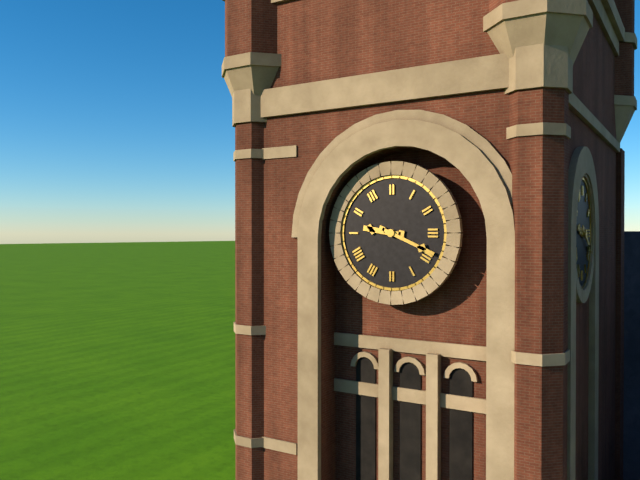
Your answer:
h=9 m=19
